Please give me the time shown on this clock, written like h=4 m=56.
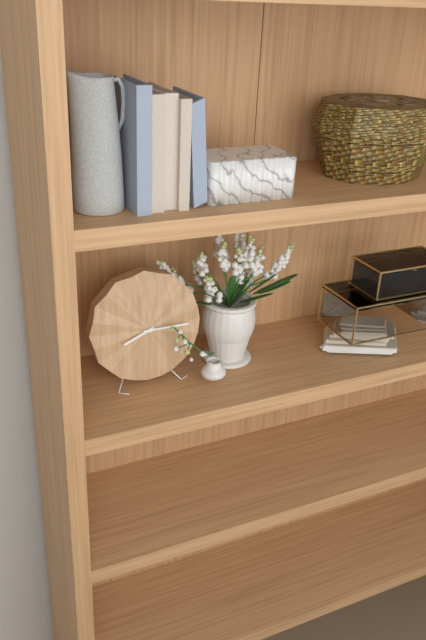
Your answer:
h=8 m=15
